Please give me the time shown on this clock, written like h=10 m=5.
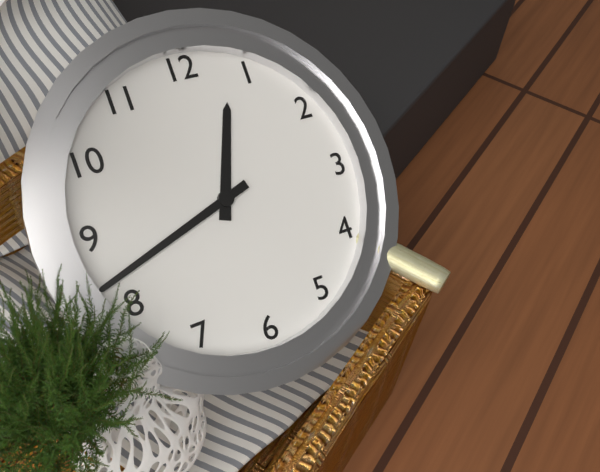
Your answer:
h=12 m=42
